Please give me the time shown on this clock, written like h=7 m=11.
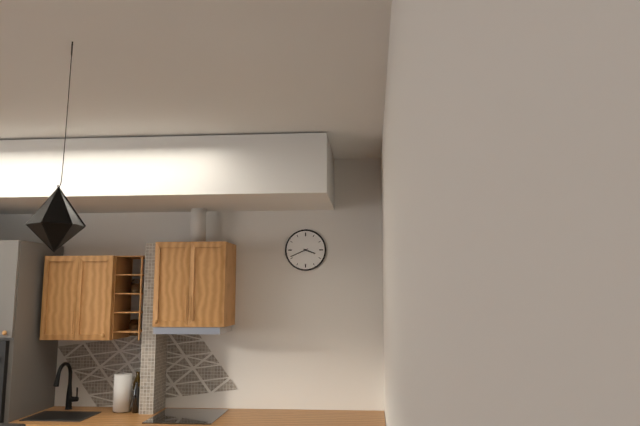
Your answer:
h=3 m=41
